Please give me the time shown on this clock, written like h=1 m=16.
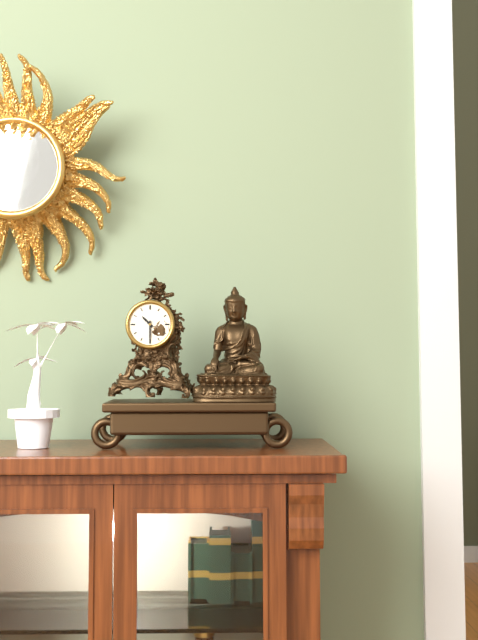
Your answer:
h=10 m=30
